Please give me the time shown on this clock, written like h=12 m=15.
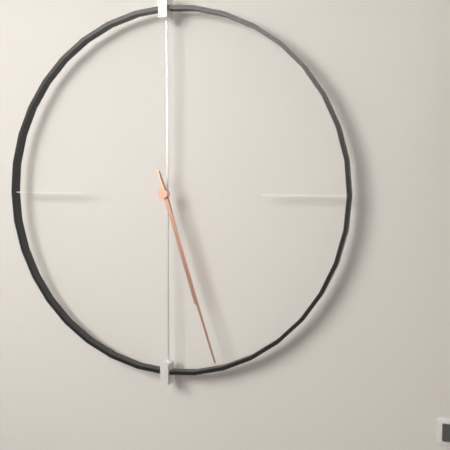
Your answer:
h=5 m=27
